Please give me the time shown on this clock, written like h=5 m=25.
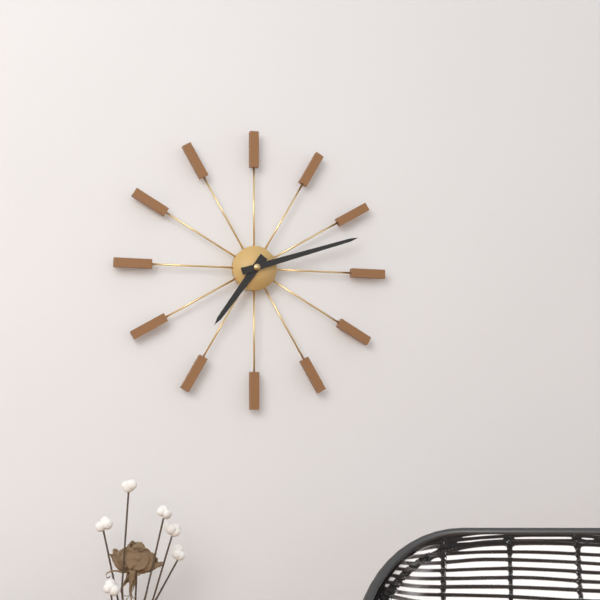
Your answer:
h=7 m=12
